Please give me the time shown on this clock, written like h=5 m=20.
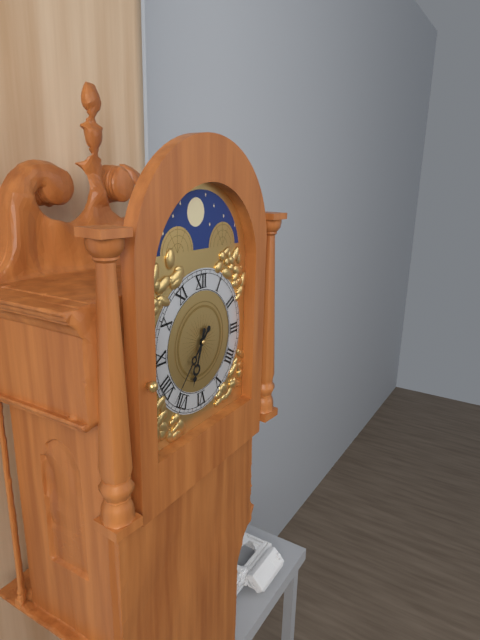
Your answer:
h=6 m=37
